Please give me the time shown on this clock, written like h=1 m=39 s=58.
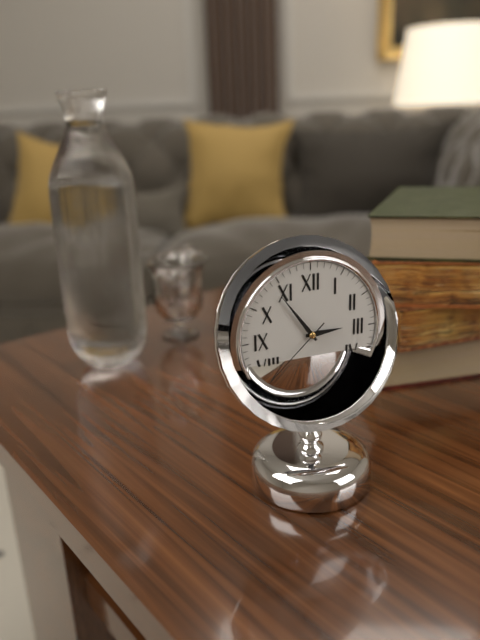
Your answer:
h=2 m=54 s=38
